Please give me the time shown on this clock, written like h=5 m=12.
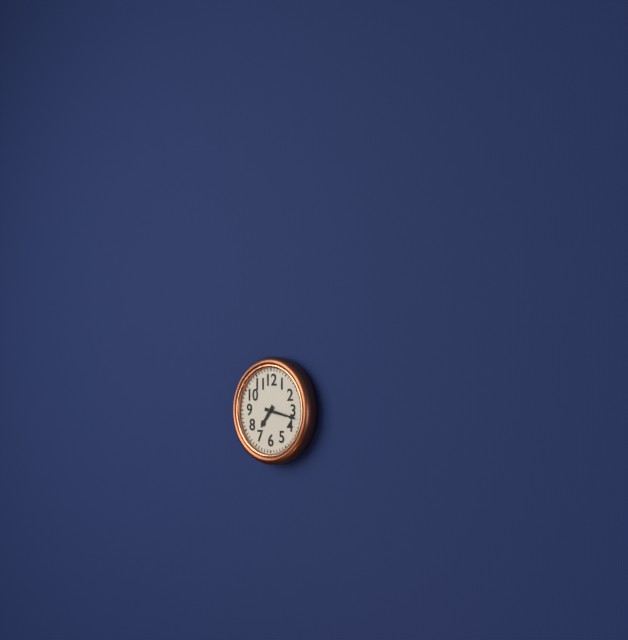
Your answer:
h=7 m=17
